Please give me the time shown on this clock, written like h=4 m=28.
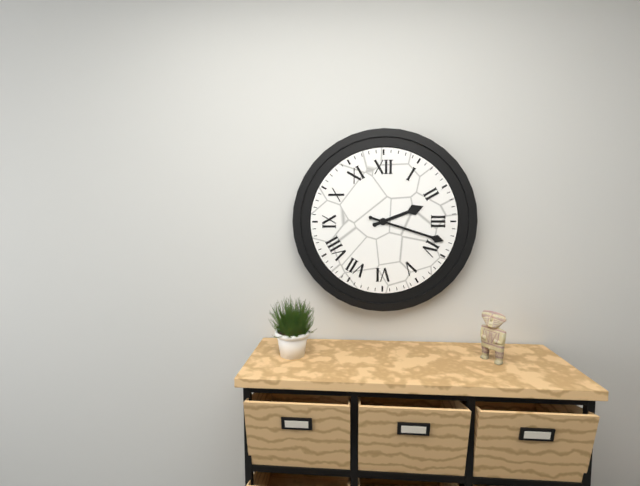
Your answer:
h=2 m=18
